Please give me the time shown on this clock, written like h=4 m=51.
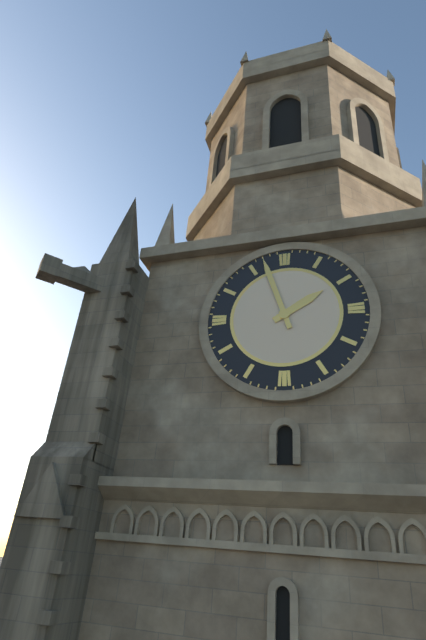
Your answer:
h=1 m=57
